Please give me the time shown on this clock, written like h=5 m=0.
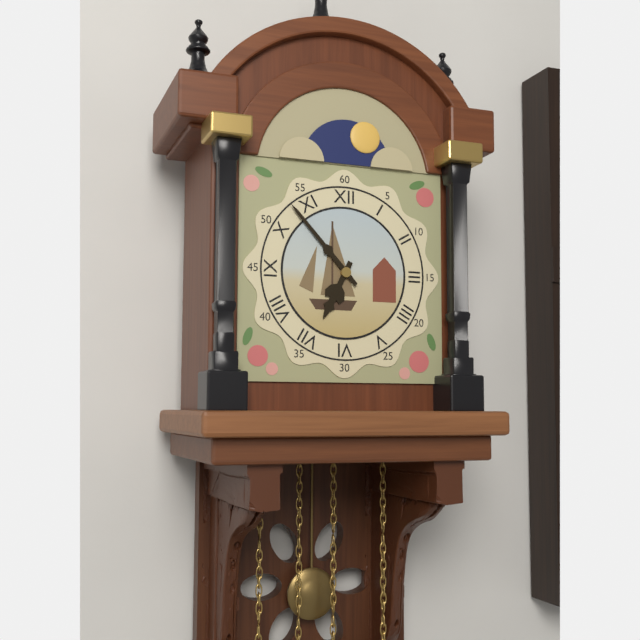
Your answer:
h=6 m=53
